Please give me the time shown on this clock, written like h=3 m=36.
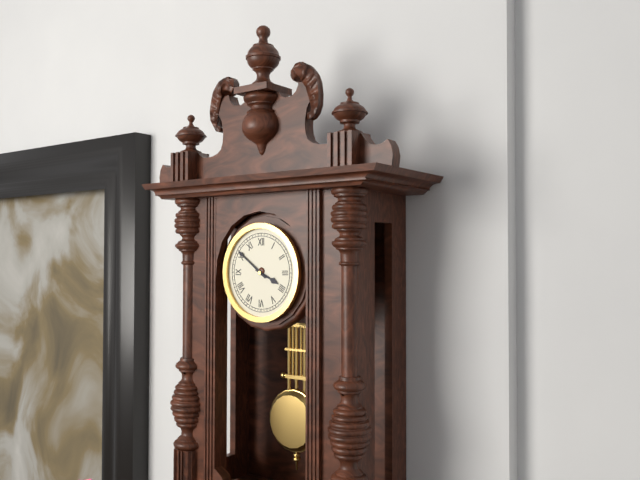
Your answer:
h=3 m=51
